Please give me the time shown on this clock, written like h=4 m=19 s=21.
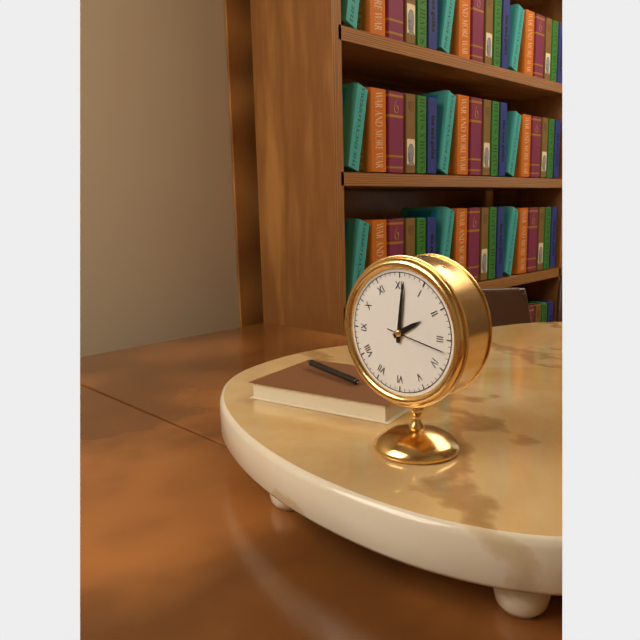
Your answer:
h=2 m=1 s=17
